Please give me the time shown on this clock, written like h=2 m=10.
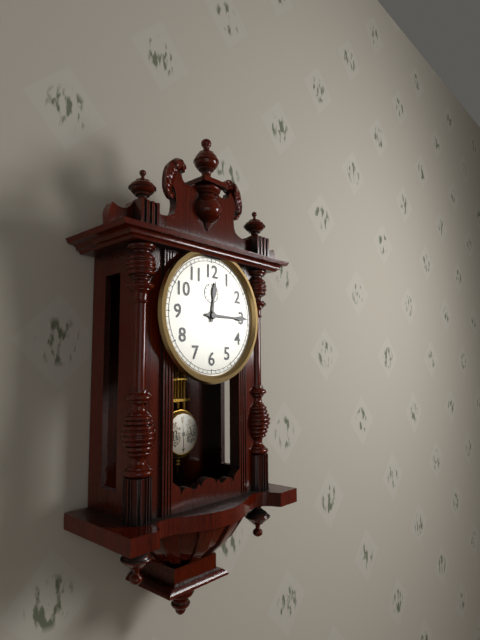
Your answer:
h=12 m=15
